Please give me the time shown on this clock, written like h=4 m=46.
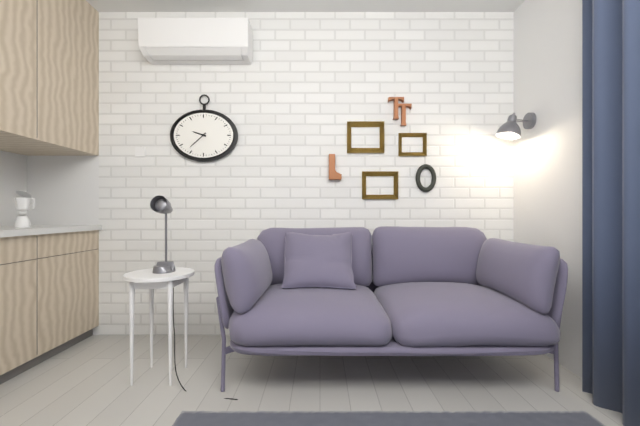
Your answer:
h=9 m=38
